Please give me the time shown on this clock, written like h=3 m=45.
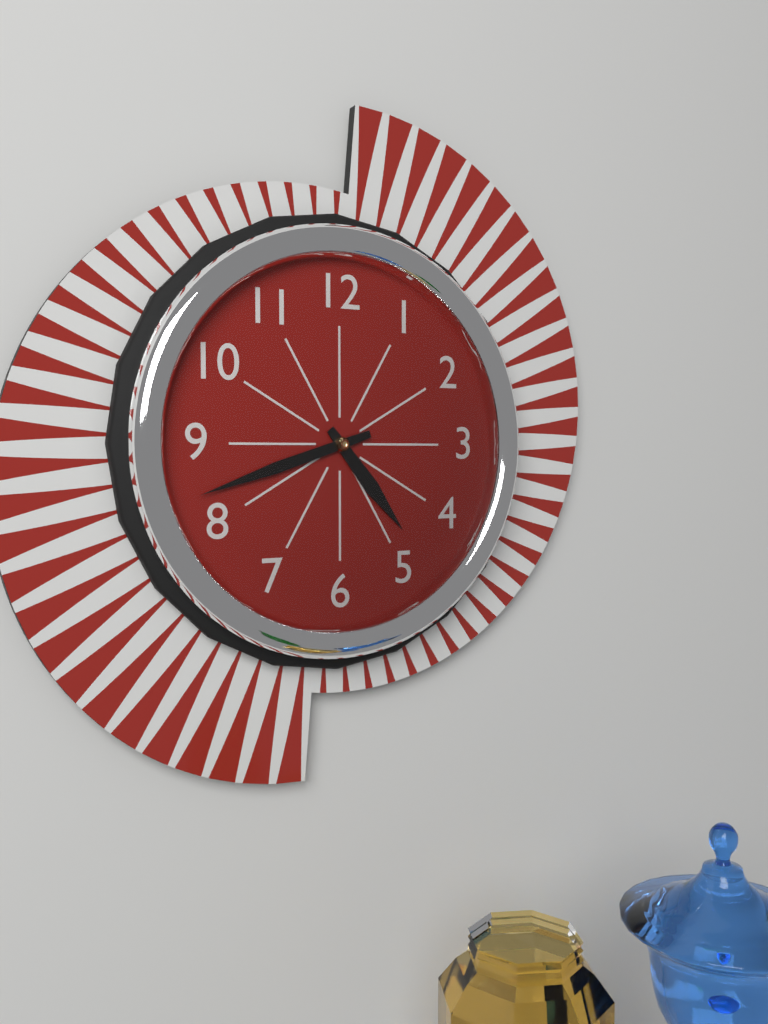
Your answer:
h=4 m=42
